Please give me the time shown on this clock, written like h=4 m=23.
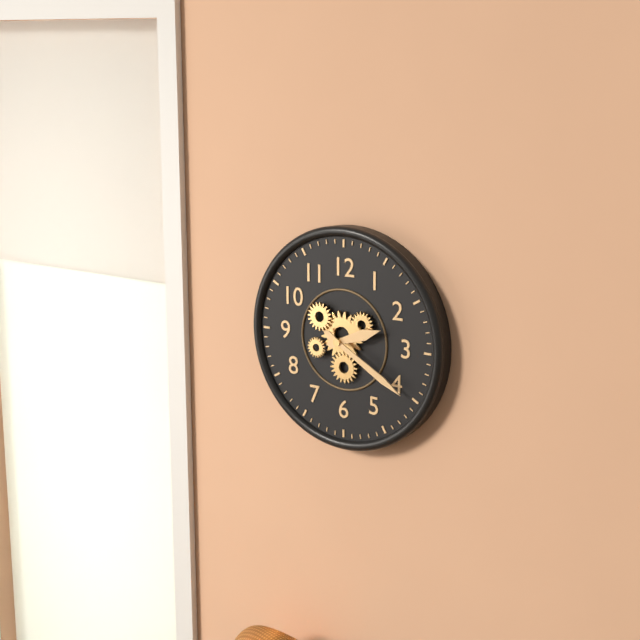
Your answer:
h=2 m=20
